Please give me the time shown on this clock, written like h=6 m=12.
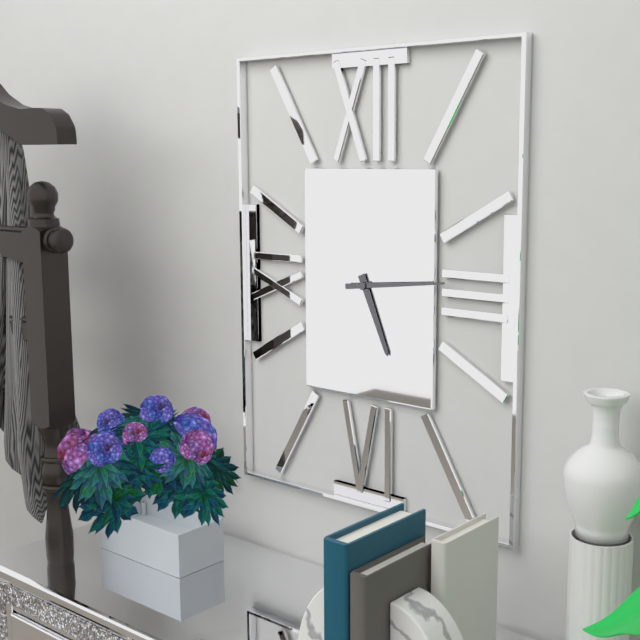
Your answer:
h=5 m=14
